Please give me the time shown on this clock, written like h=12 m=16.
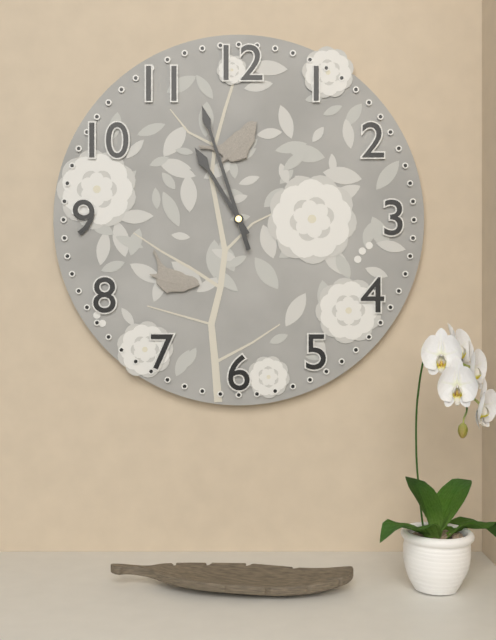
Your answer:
h=10 m=57
